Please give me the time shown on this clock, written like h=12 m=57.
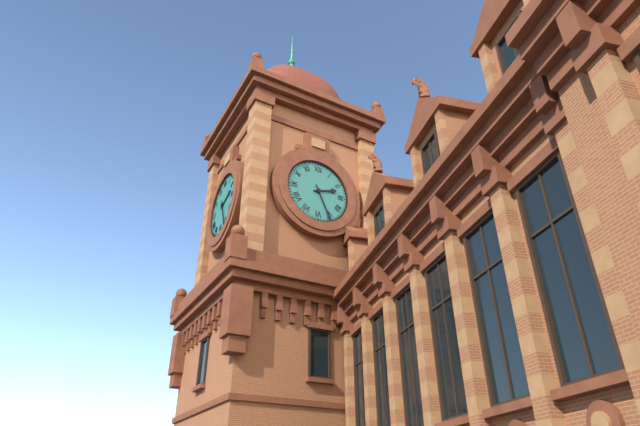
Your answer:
h=2 m=26
